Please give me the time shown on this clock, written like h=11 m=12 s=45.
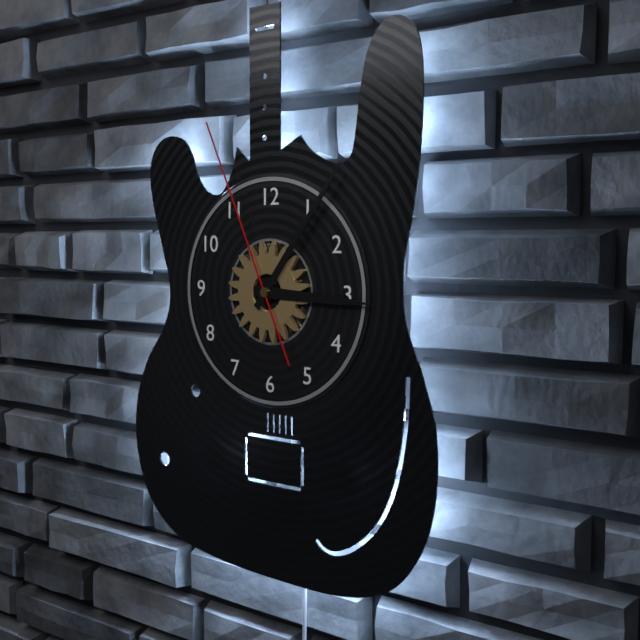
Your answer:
h=3 m=6 s=56
